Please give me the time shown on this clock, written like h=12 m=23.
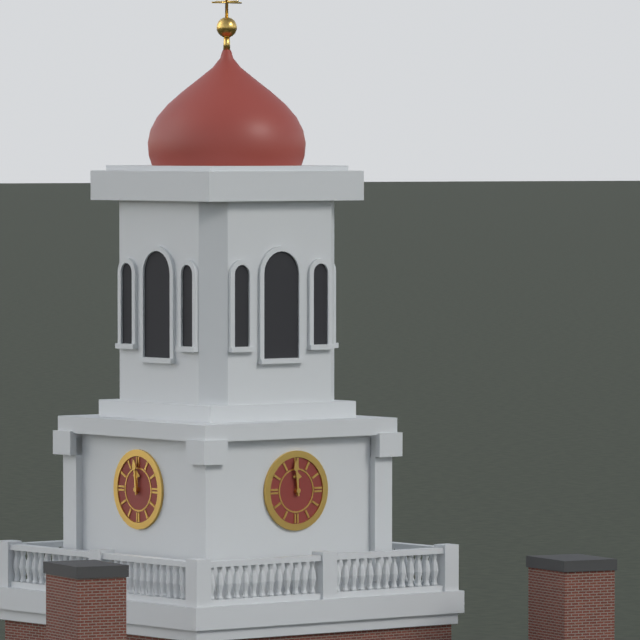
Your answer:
h=11 m=59
